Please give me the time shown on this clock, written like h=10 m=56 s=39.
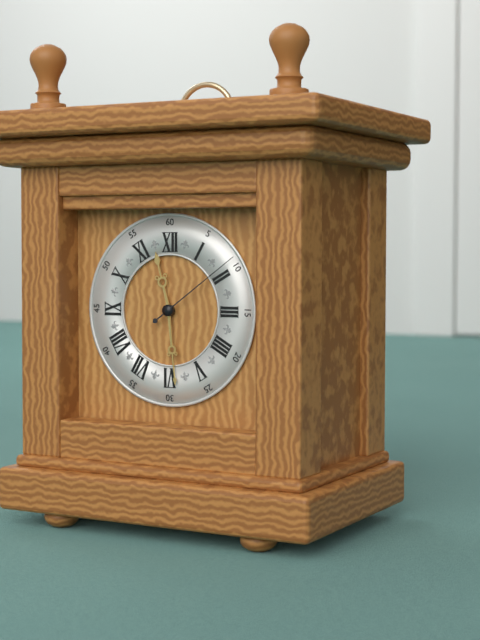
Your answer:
h=11 m=29 s=9
